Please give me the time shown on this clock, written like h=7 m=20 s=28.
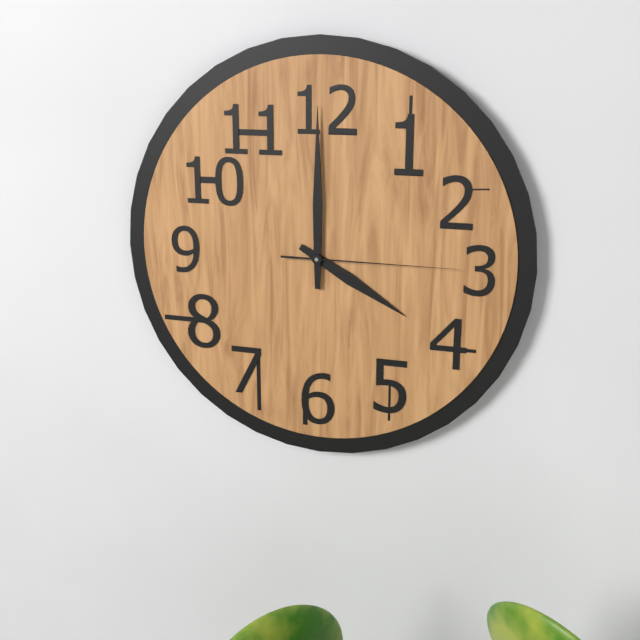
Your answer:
h=4 m=0 s=15
